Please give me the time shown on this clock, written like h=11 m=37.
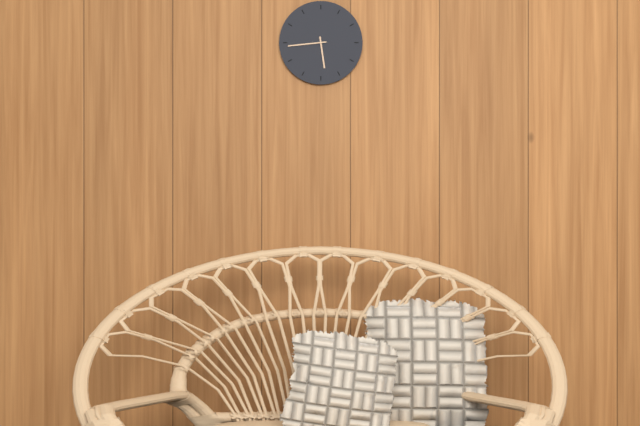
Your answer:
h=5 m=44
